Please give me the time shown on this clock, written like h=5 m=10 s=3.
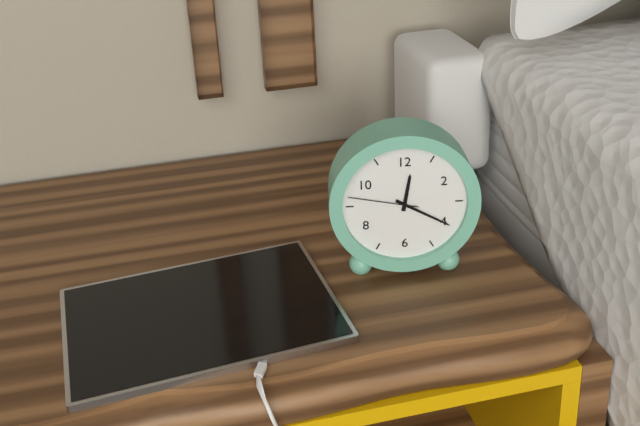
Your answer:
h=12 m=20 s=47
